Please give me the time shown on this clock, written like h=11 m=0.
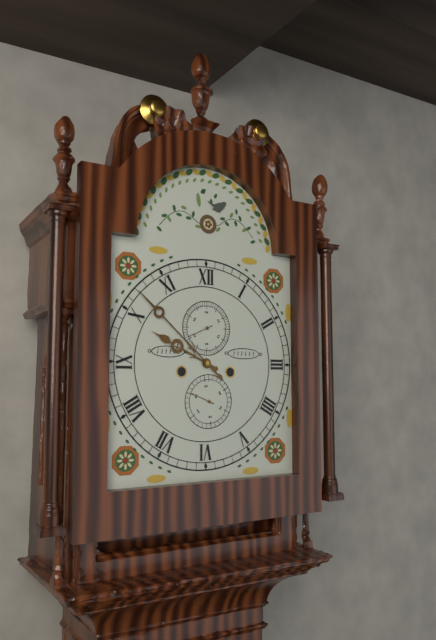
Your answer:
h=9 m=52
